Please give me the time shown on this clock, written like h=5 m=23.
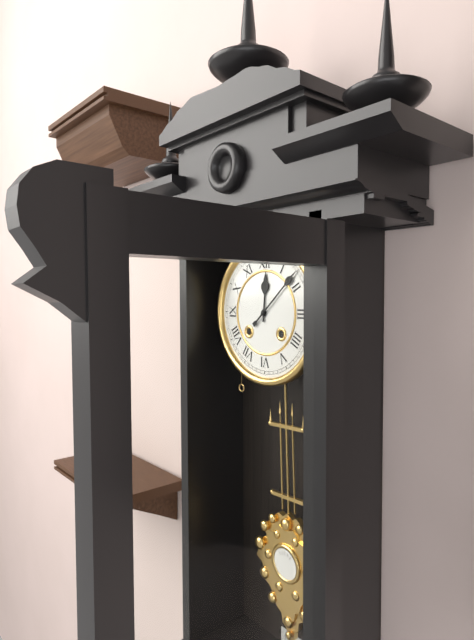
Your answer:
h=12 m=8
